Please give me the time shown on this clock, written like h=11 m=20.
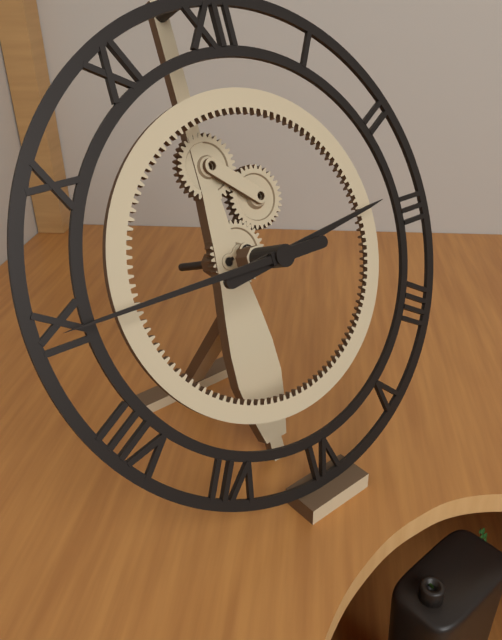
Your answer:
h=2 m=45
